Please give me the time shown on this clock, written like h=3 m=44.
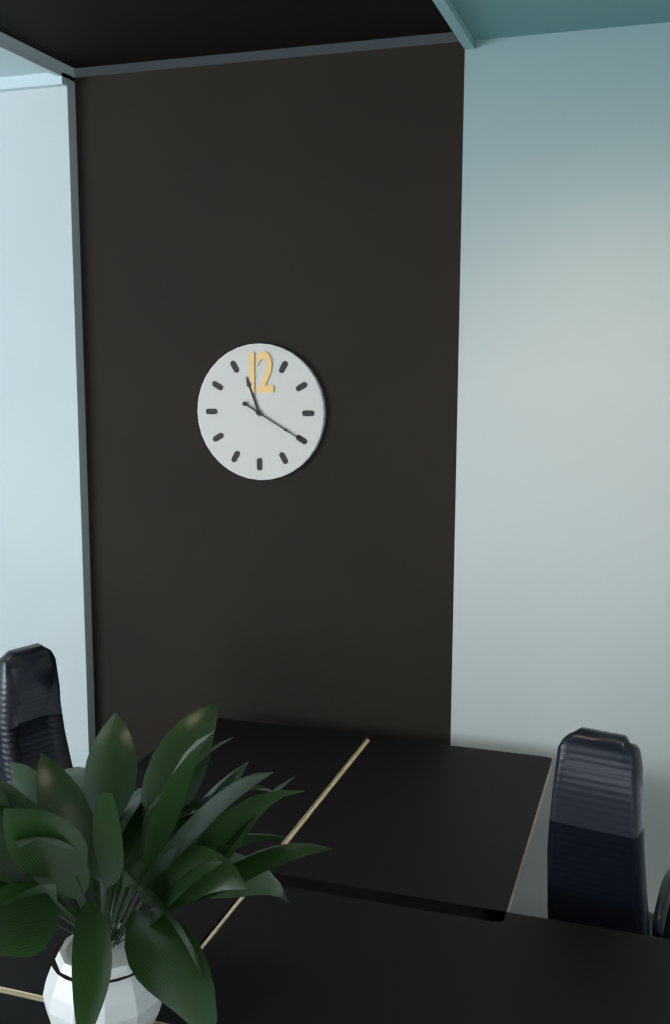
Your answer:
h=11 m=20
